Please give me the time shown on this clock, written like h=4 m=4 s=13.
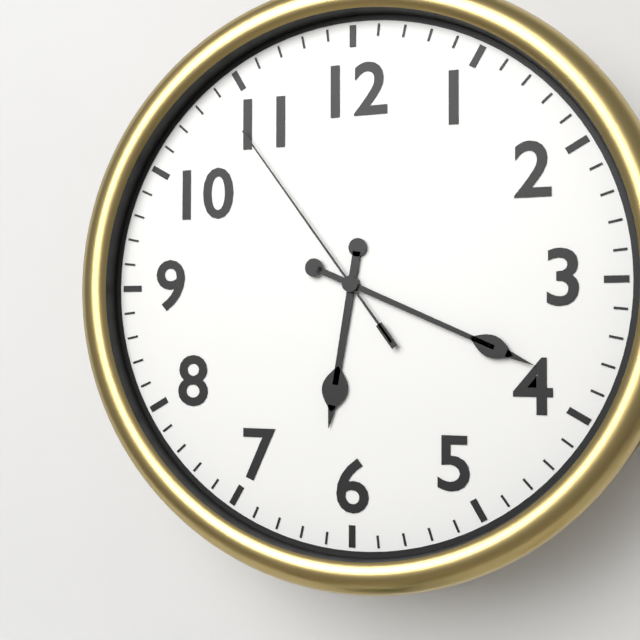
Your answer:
h=6 m=19 s=54
